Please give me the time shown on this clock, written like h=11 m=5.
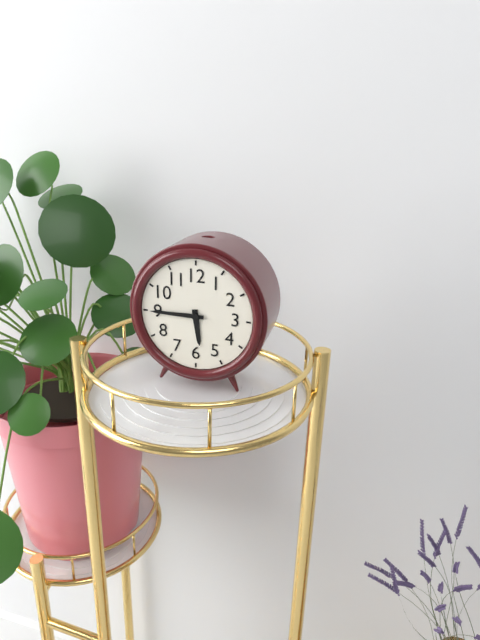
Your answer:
h=5 m=45
